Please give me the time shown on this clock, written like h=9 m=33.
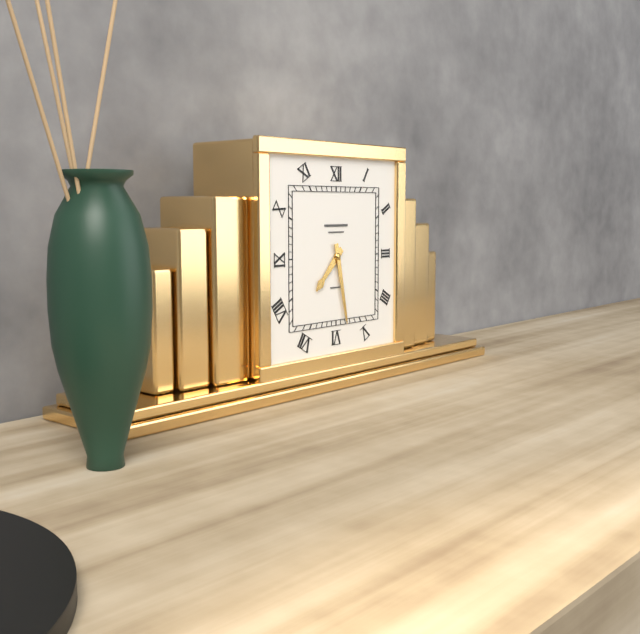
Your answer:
h=7 m=28
